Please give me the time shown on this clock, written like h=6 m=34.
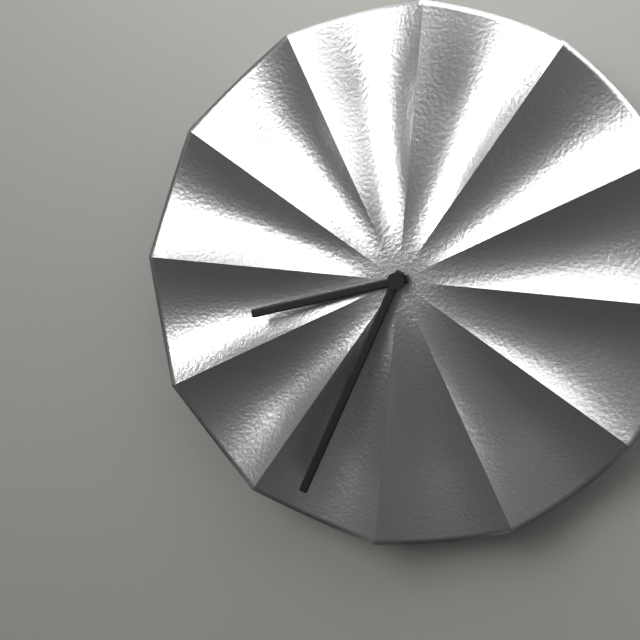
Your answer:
h=8 m=34
